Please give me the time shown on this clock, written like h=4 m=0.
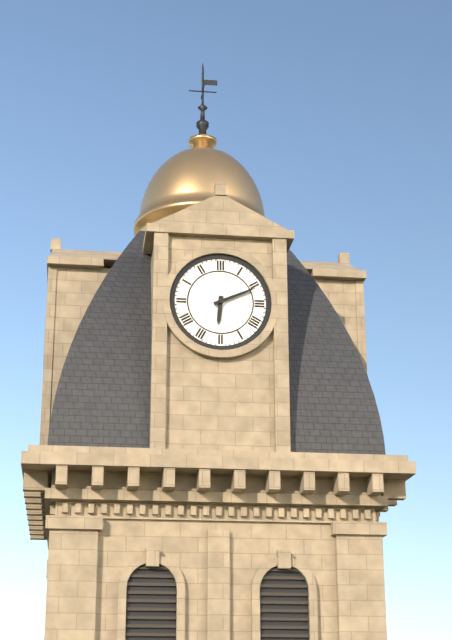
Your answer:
h=6 m=11
